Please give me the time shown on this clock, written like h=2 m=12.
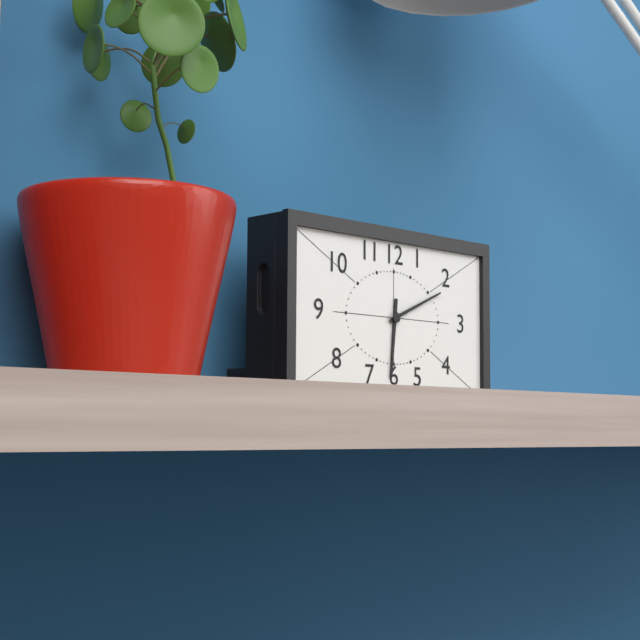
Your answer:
h=6 m=11
